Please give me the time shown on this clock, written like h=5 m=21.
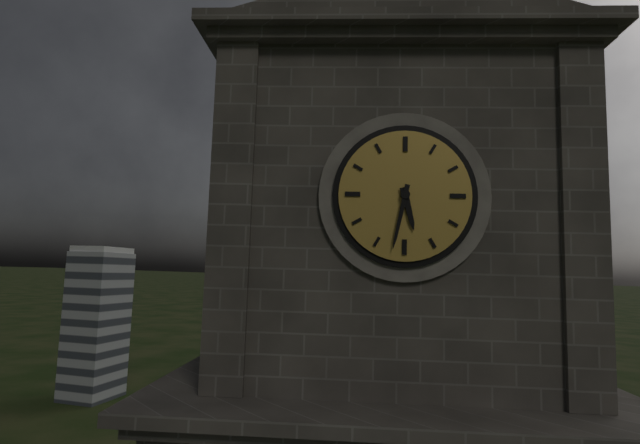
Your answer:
h=5 m=32
